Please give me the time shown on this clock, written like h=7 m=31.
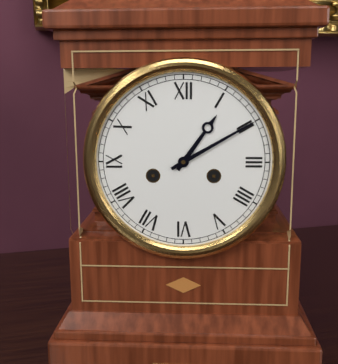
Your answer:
h=1 m=10
